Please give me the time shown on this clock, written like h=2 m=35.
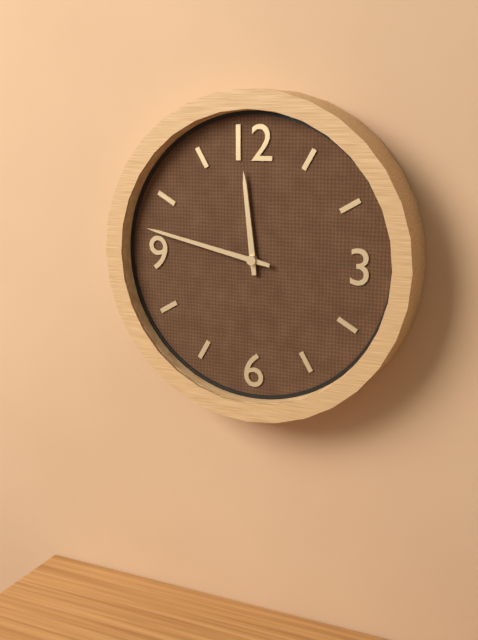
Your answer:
h=11 m=47
